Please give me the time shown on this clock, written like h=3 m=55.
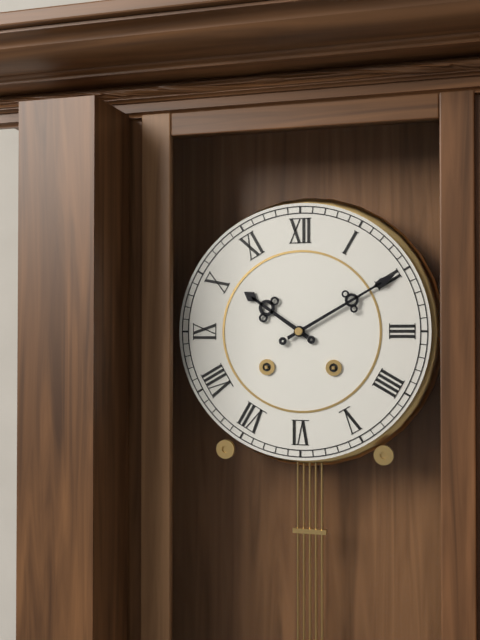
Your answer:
h=10 m=10
